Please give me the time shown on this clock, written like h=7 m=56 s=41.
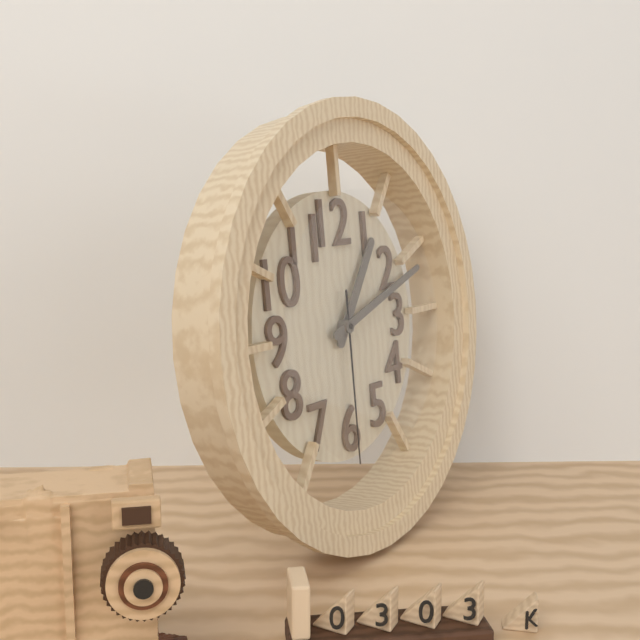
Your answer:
h=1 m=12 s=30
